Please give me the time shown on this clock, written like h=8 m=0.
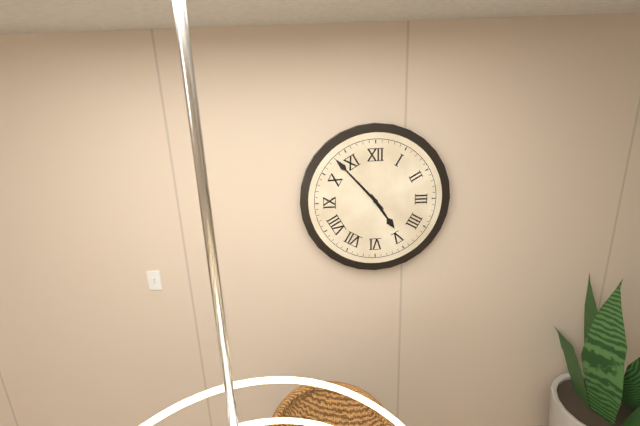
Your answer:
h=4 m=53
